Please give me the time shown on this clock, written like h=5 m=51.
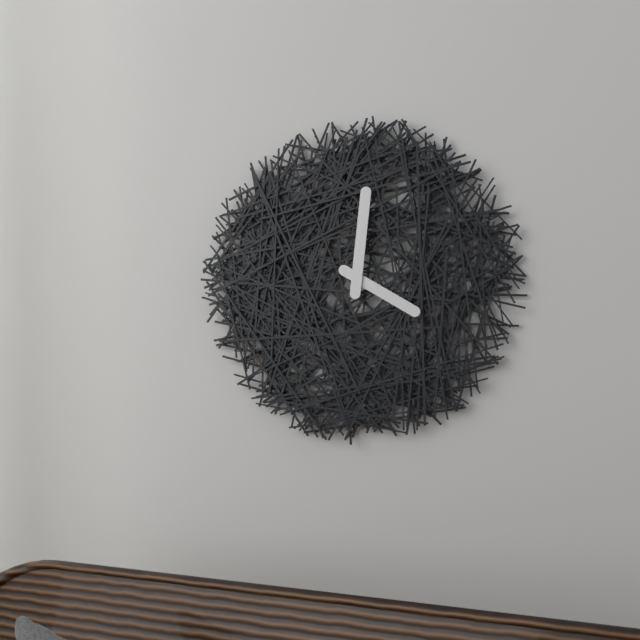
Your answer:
h=4 m=1
